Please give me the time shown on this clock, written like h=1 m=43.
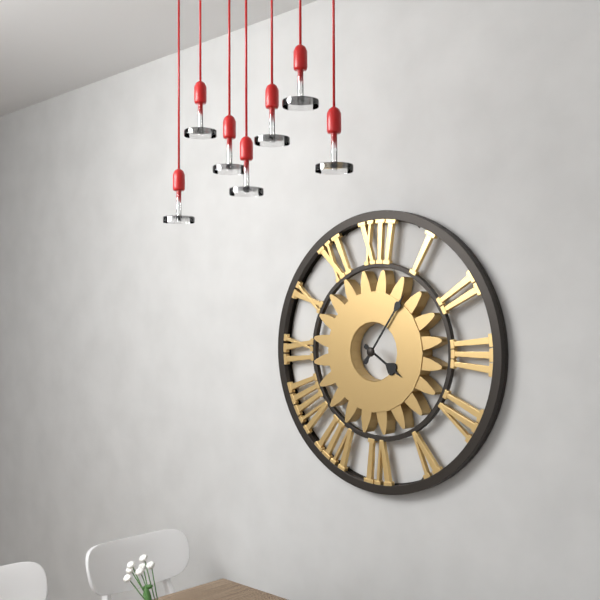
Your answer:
h=4 m=6
